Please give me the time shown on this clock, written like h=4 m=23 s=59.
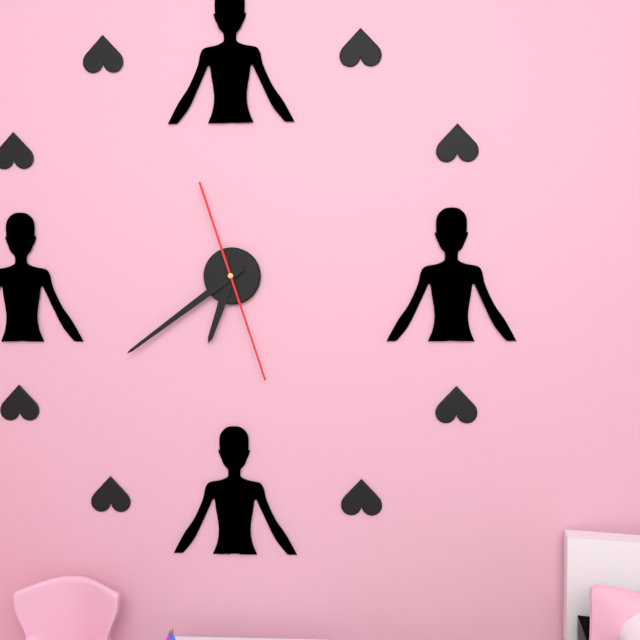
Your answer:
h=6 m=39 s=27
